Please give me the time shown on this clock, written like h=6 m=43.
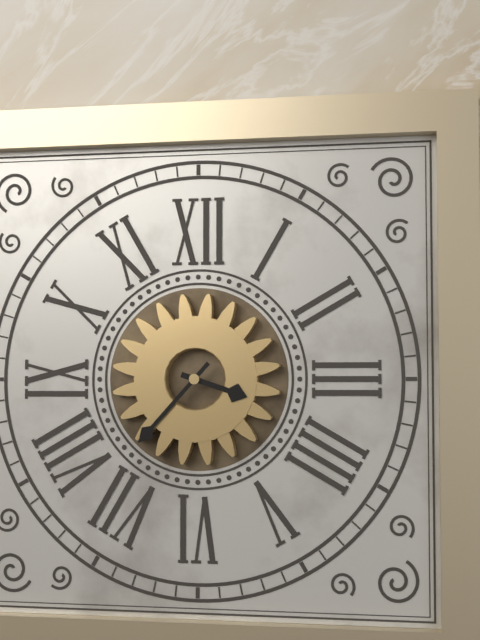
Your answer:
h=3 m=37
